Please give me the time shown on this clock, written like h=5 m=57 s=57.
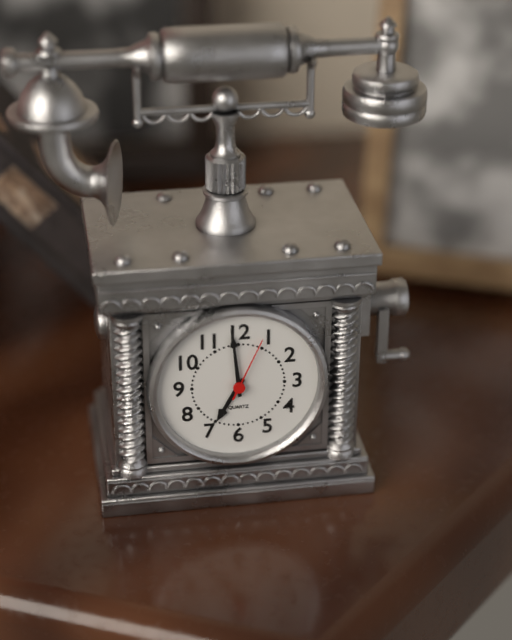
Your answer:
h=6 m=59 s=4
